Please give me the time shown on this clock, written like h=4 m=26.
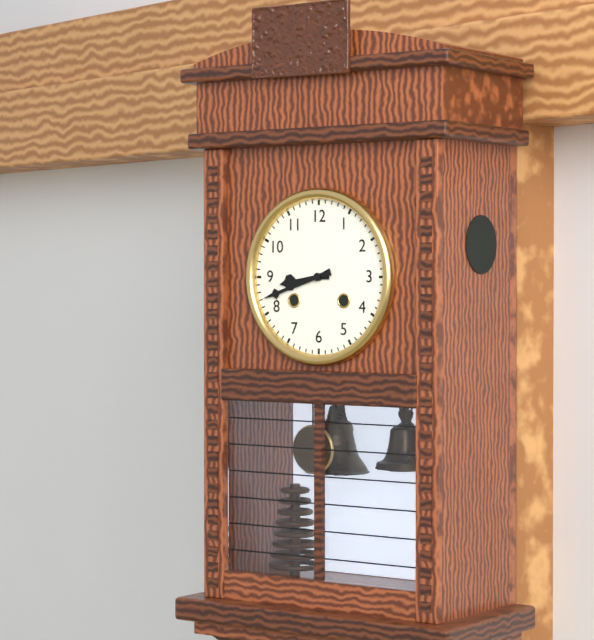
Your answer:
h=8 m=42
